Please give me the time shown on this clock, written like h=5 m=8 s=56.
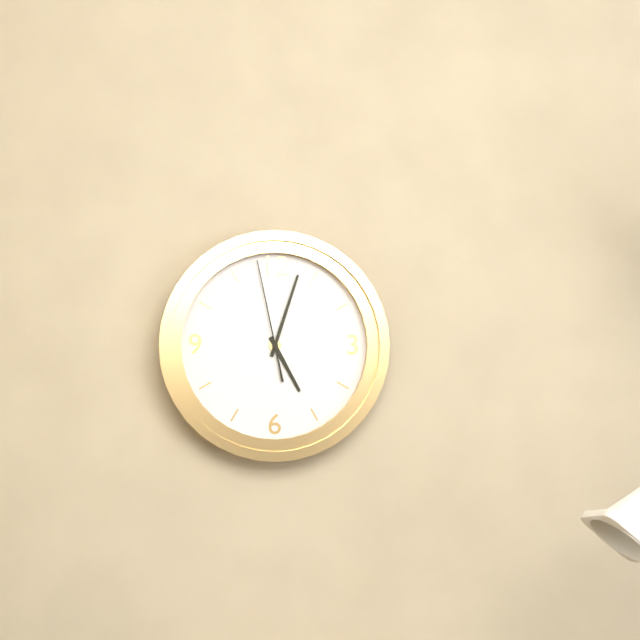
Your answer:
h=5 m=3 s=58
